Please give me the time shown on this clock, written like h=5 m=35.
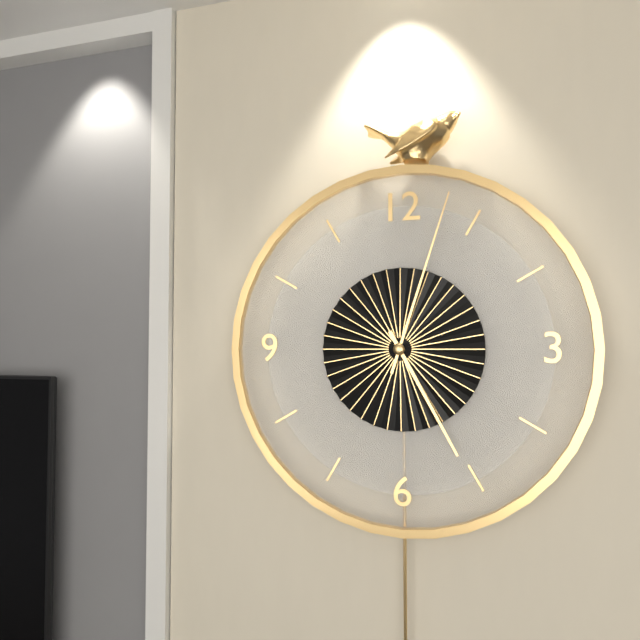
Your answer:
h=5 m=3
